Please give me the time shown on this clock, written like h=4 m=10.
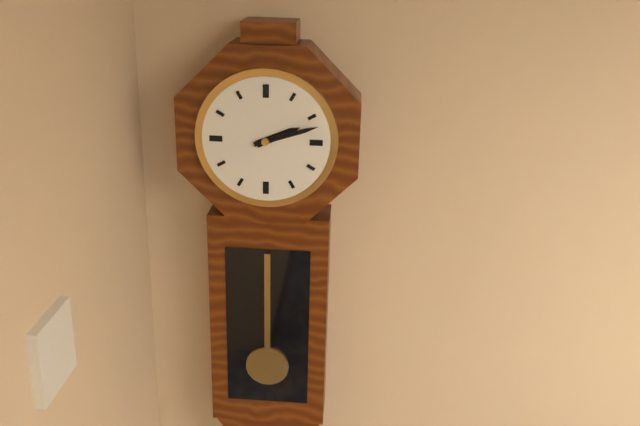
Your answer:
h=2 m=12
